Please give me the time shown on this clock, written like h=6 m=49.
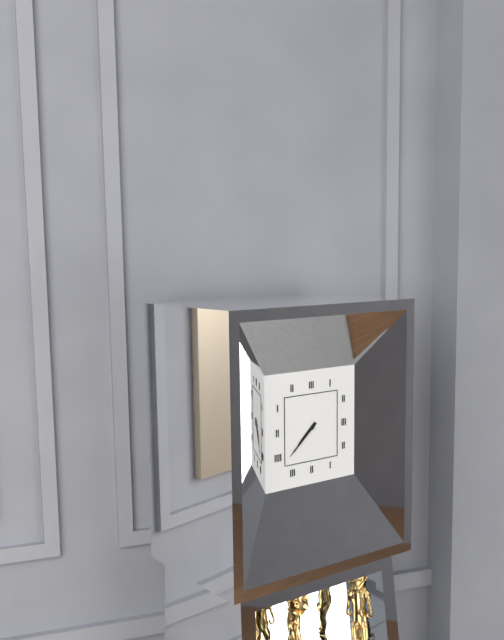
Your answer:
h=7 m=38
